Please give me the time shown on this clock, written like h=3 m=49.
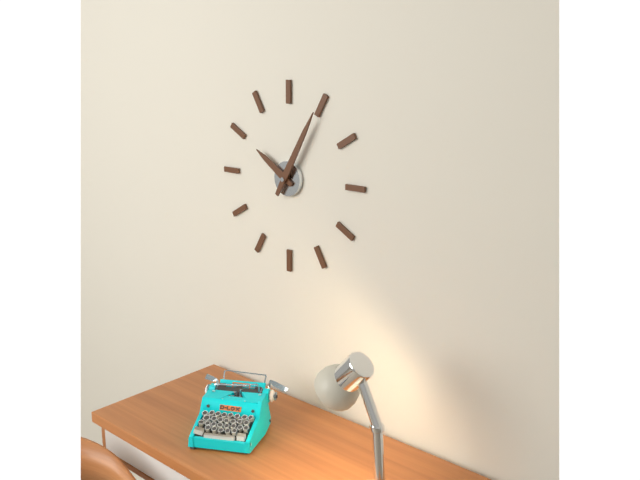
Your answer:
h=10 m=5
